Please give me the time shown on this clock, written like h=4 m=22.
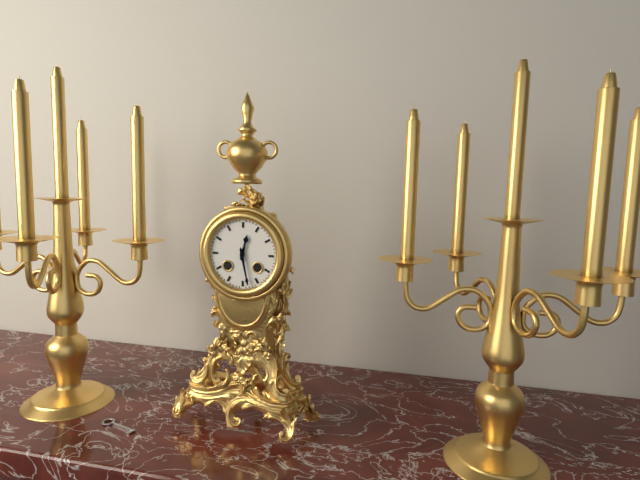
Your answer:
h=12 m=28
